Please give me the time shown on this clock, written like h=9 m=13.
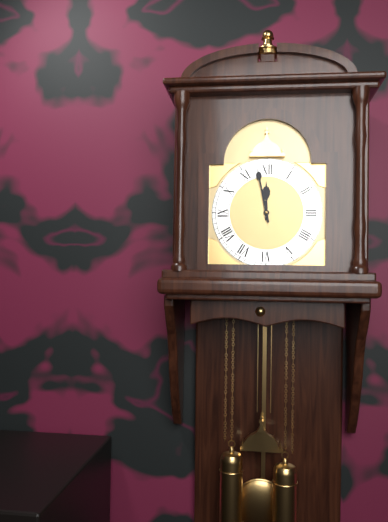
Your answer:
h=11 m=58
